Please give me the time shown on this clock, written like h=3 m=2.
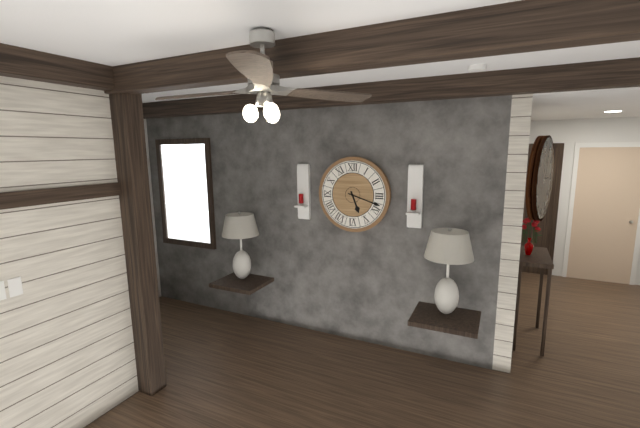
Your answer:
h=5 m=18
